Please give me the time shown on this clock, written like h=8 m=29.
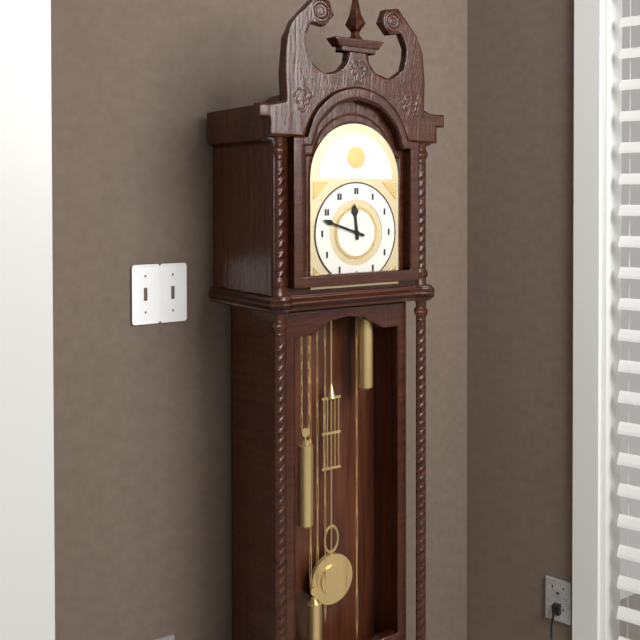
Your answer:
h=11 m=48
